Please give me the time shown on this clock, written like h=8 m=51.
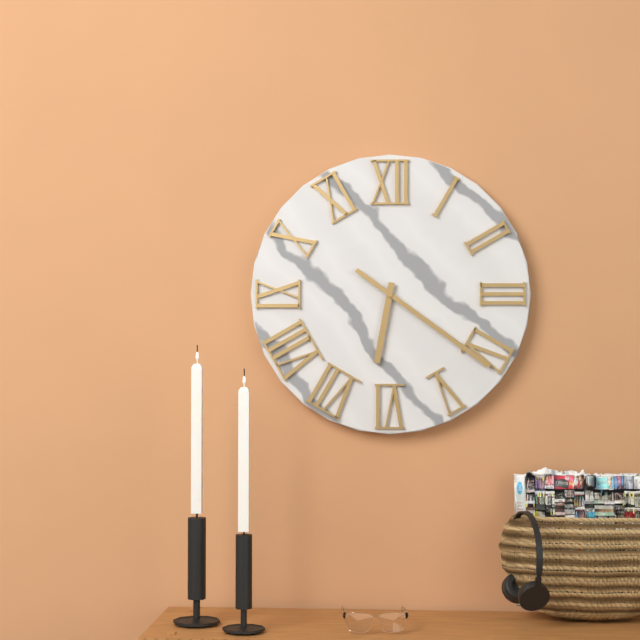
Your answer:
h=6 m=21
